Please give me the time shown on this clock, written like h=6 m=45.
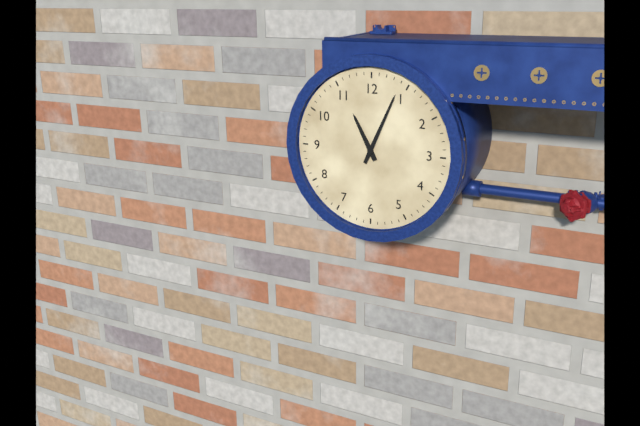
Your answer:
h=11 m=4
